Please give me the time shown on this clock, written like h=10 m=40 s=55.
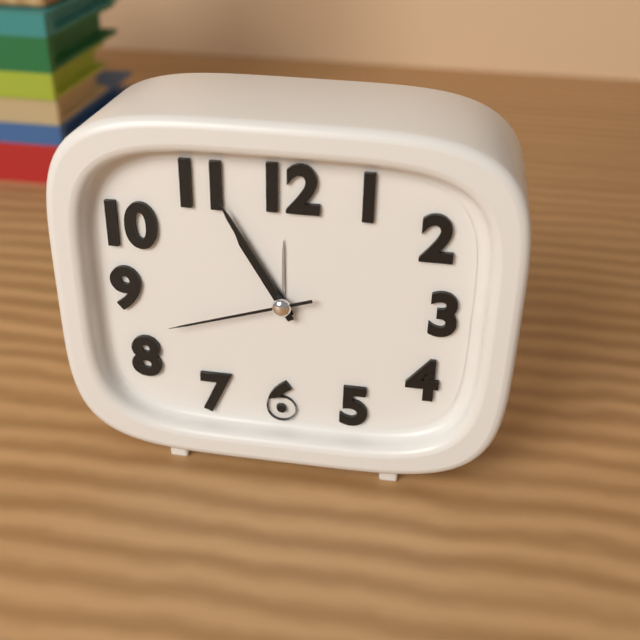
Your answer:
h=10 m=55 s=42
